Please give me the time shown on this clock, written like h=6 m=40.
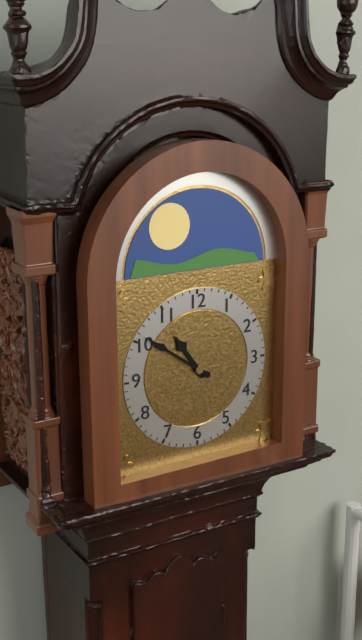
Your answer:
h=10 m=51
